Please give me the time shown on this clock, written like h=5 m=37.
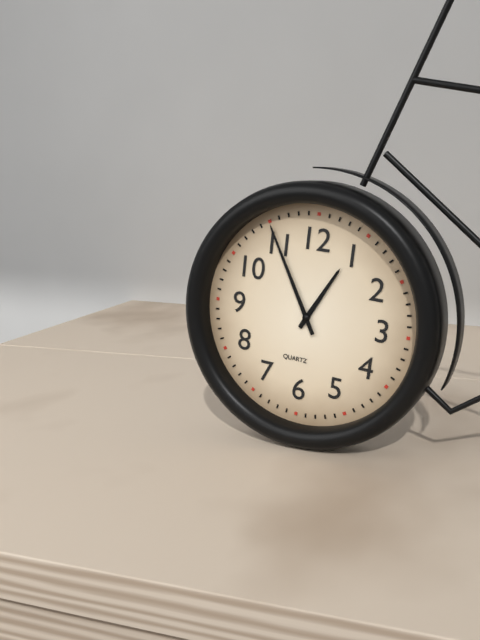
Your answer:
h=12 m=55
